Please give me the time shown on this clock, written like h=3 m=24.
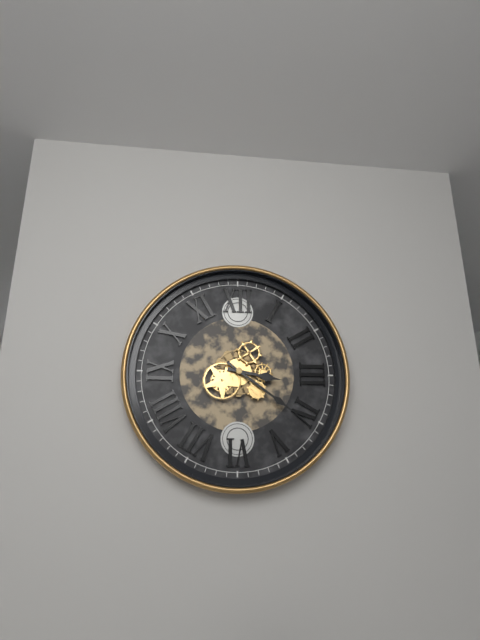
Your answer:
h=3 m=21
